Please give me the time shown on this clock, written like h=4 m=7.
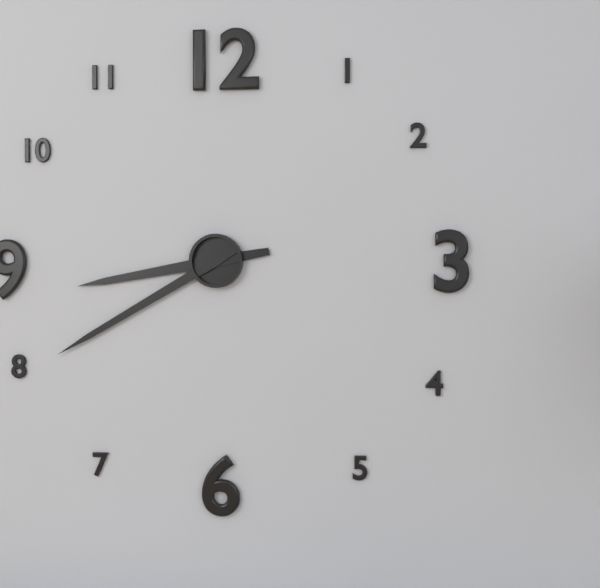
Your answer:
h=8 m=40
